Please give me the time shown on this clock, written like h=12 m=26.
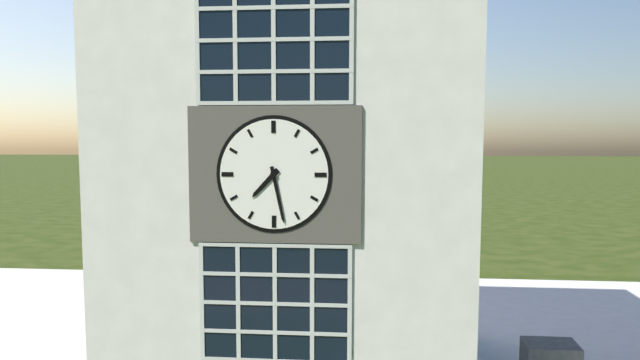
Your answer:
h=7 m=28
